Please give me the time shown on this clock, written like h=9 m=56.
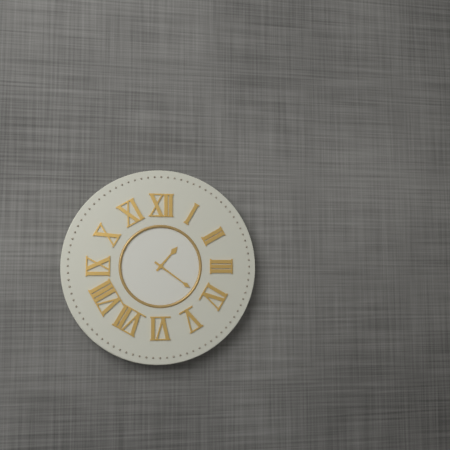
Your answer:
h=1 m=21
